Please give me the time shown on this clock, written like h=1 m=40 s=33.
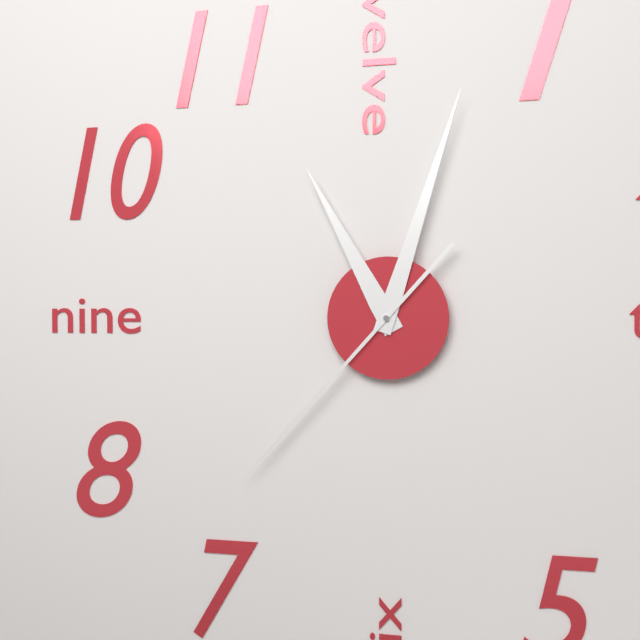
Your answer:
h=11 m=3 s=37
